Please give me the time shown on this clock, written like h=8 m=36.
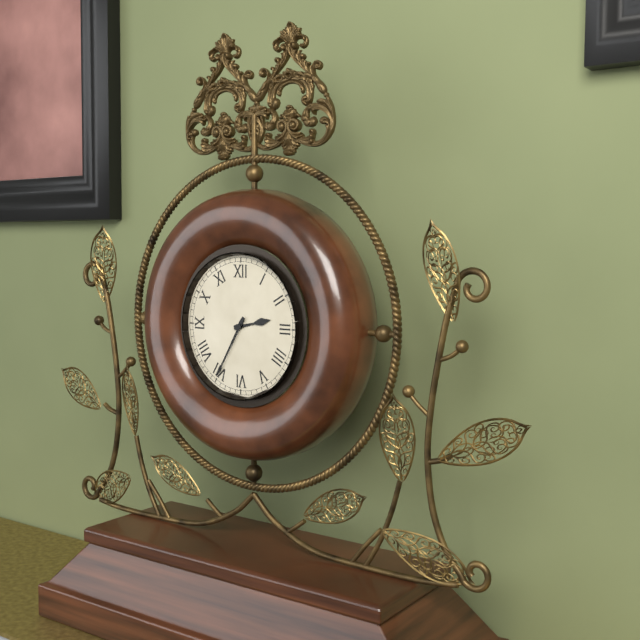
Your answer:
h=2 m=35
